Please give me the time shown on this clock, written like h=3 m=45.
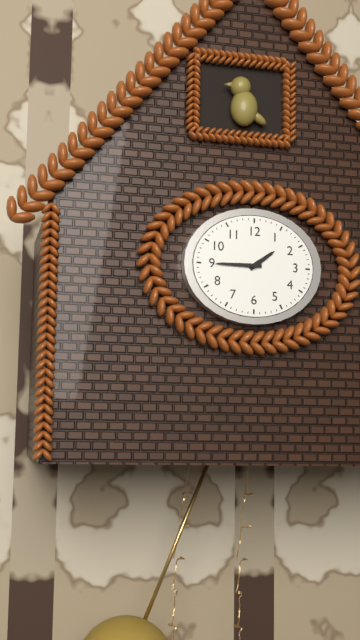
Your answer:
h=1 m=45
